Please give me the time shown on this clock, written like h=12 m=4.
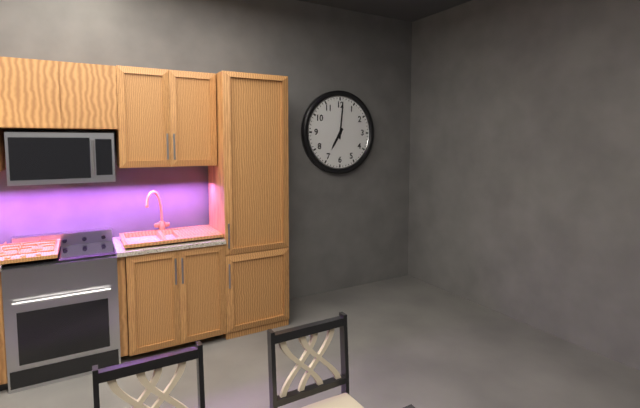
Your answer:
h=7 m=1
